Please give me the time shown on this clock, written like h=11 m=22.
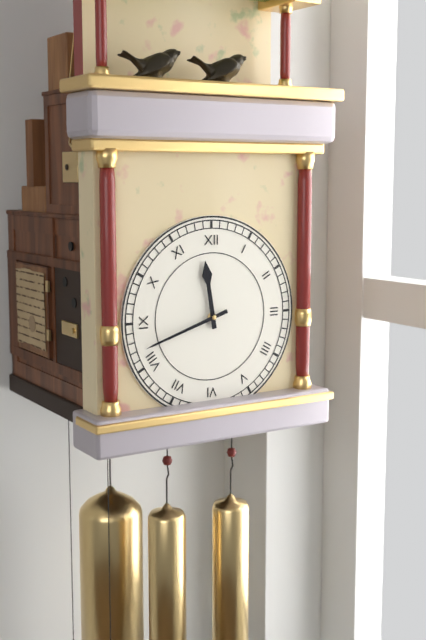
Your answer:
h=11 m=42
